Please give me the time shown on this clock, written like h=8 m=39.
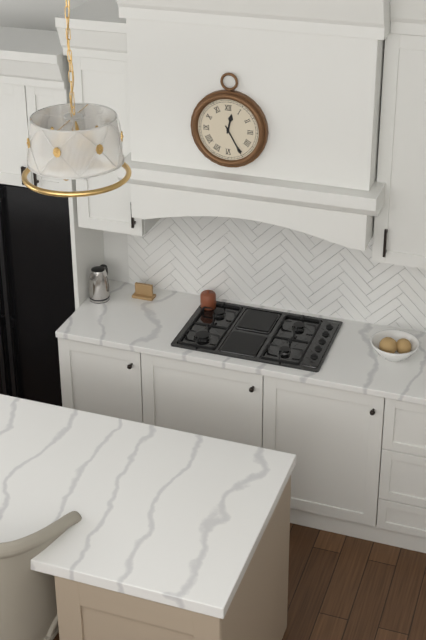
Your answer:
h=12 m=25
